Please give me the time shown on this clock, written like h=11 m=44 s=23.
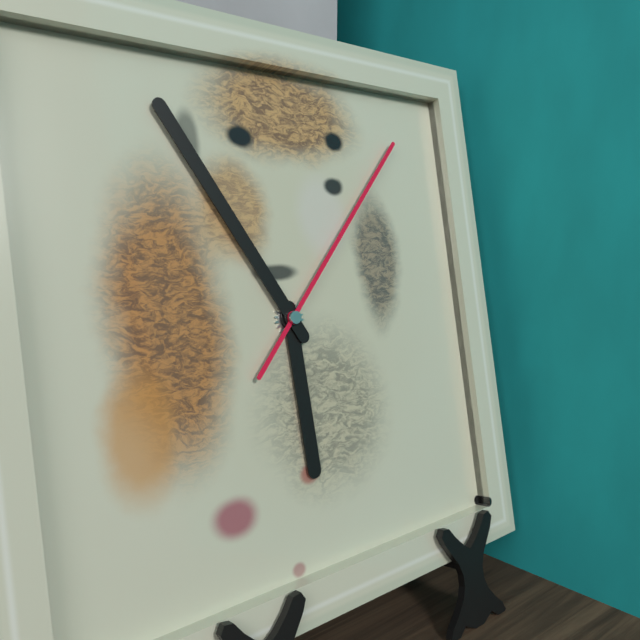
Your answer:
h=5 m=55 s=7
